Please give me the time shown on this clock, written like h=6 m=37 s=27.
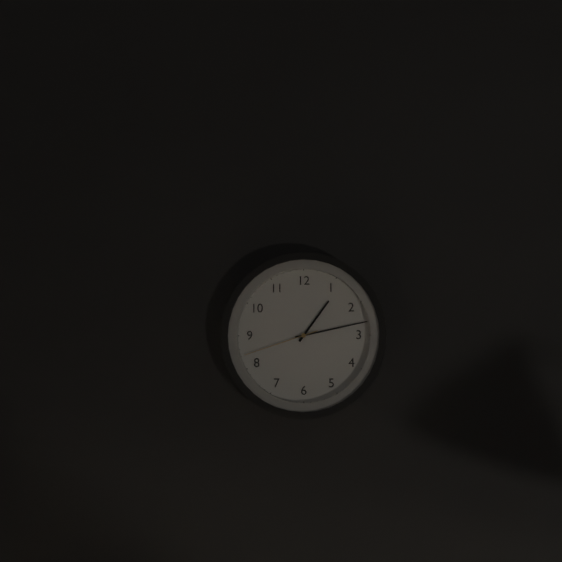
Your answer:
h=1 m=13 s=42
